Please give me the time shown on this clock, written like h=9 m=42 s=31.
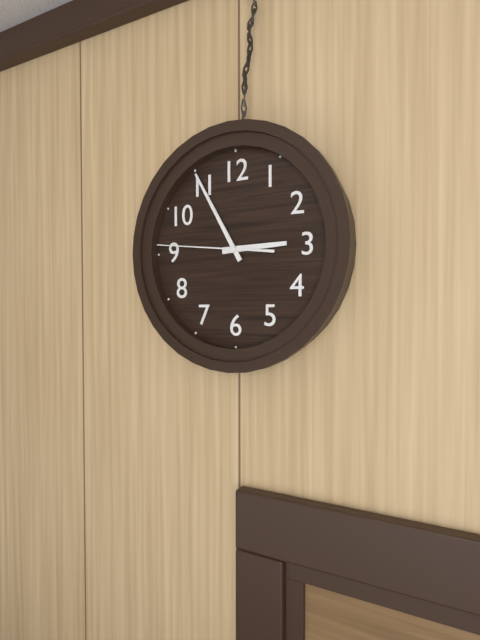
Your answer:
h=2 m=55 s=46
